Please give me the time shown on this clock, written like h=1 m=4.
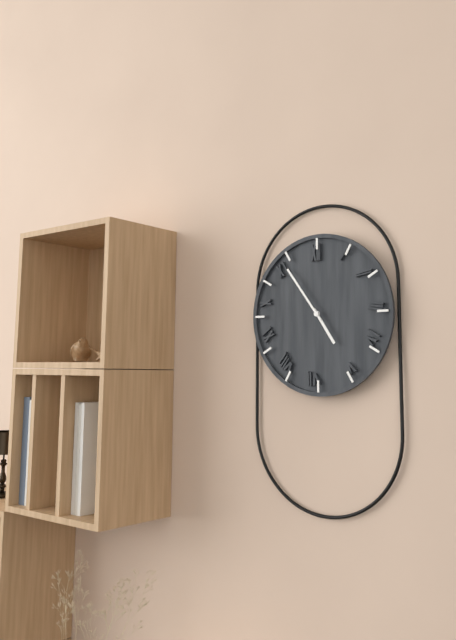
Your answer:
h=4 m=54
